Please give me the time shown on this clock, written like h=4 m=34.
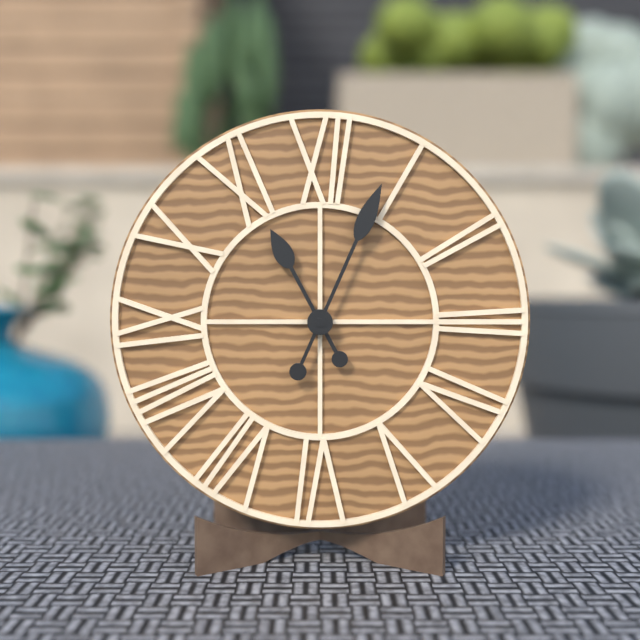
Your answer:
h=11 m=4
